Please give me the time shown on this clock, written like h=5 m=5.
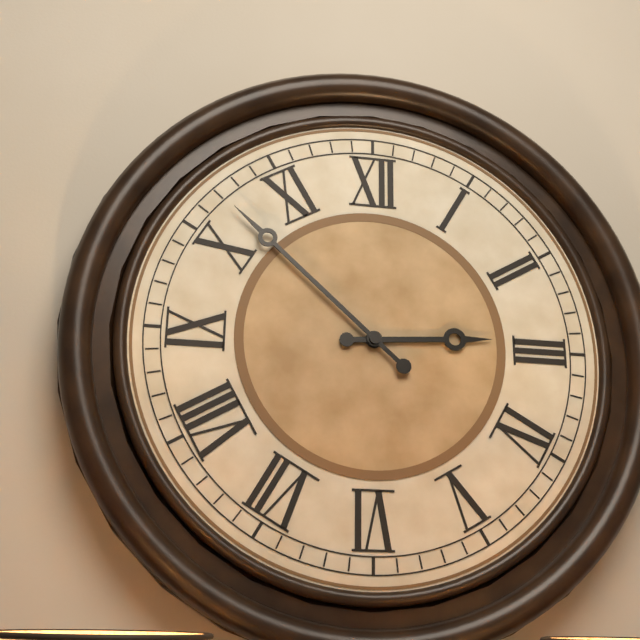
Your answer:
h=2 m=52
